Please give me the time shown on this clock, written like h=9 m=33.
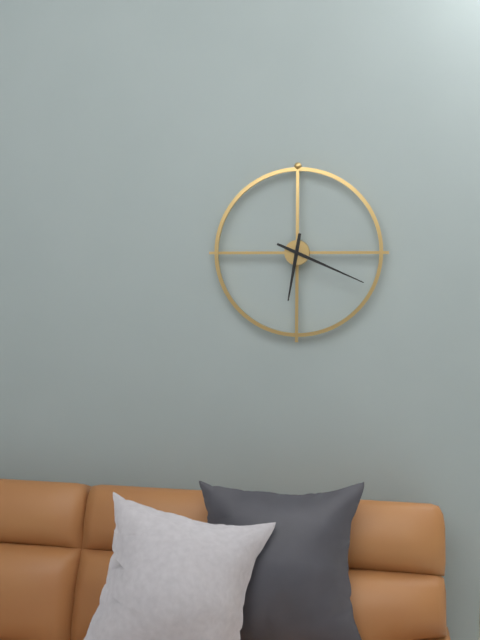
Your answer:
h=6 m=19
